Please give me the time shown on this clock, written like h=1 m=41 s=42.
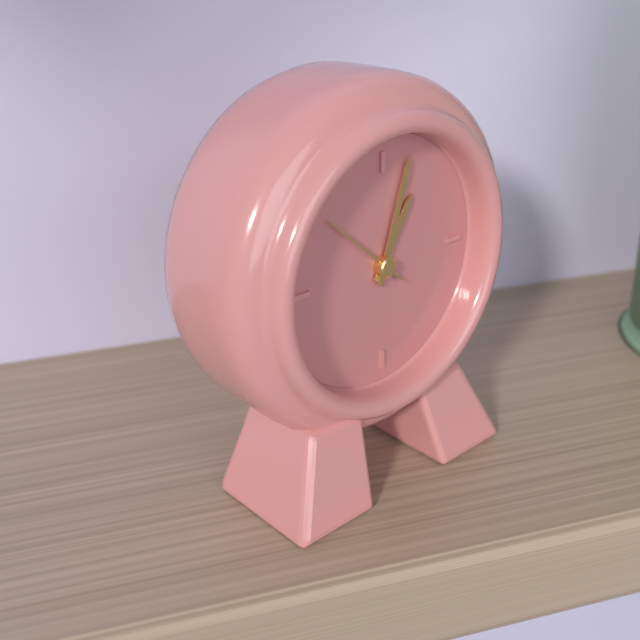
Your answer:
h=1 m=3 s=52
